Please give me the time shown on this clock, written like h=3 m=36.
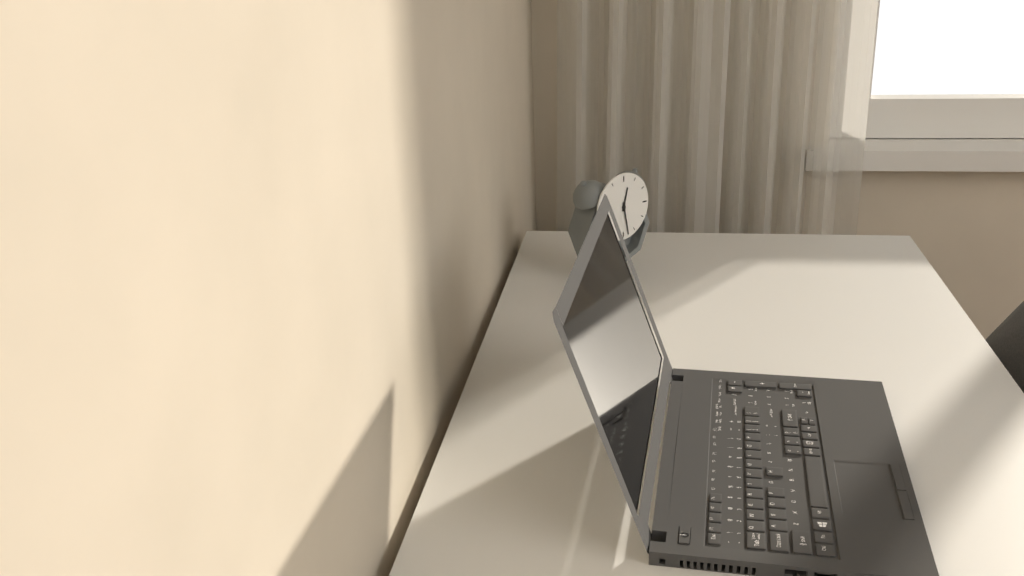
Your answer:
h=12 m=28
